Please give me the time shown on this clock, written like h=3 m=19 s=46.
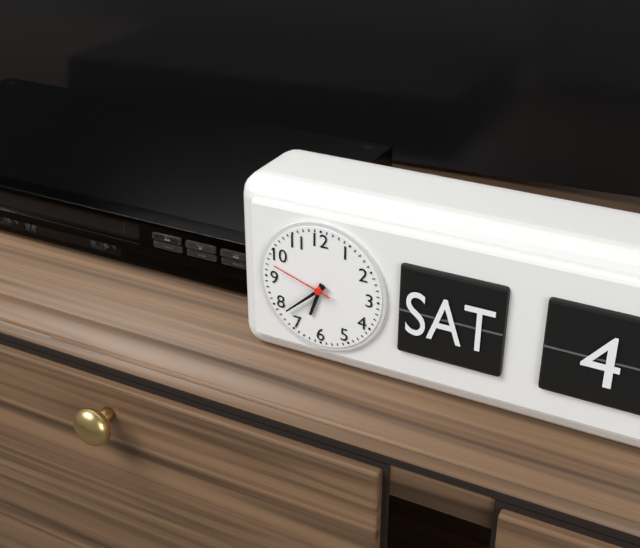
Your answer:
h=6 m=38 s=48
